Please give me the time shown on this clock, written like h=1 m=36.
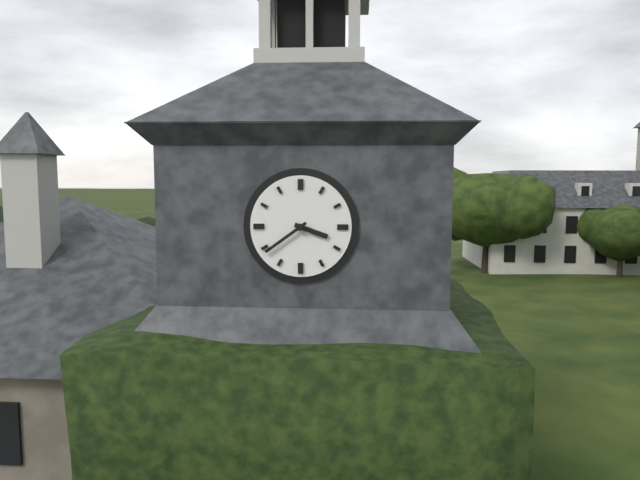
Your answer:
h=3 m=39
